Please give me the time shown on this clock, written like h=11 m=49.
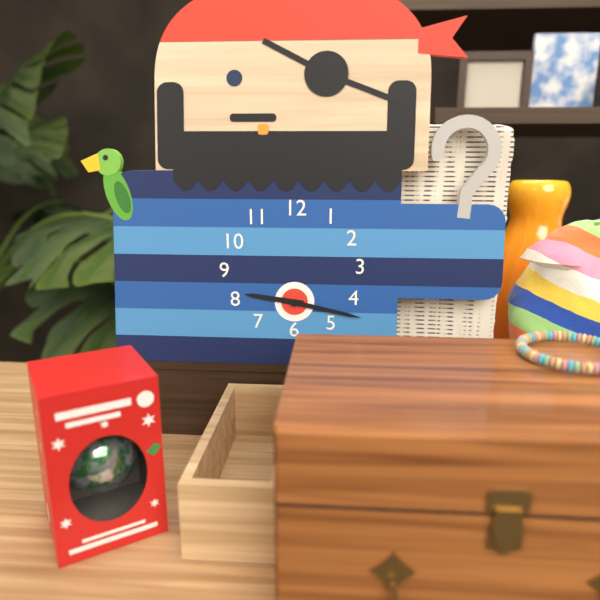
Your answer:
h=9 m=17
